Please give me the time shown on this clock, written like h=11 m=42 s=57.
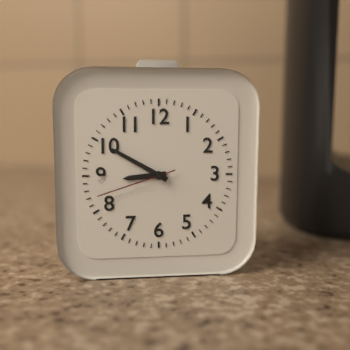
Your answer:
h=8 m=50 s=42
